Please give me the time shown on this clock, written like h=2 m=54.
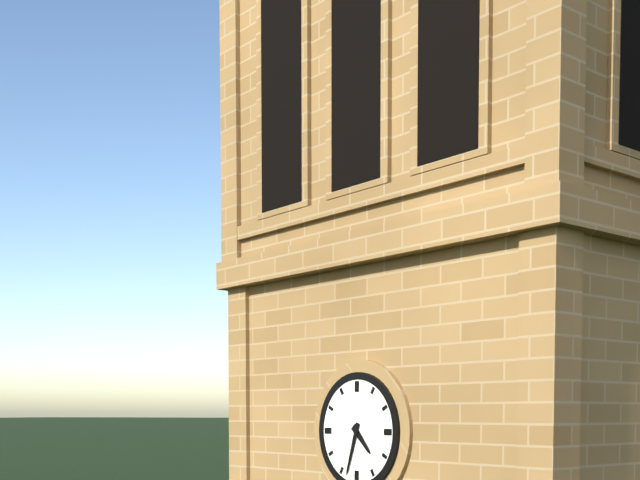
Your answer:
h=4 m=33
